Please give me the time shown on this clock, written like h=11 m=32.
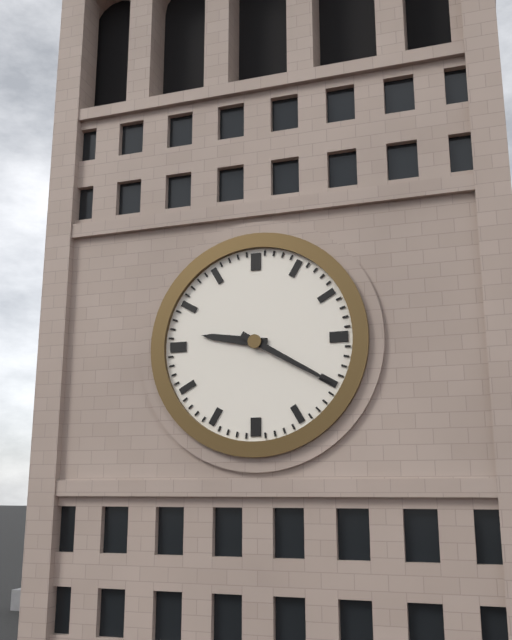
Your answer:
h=9 m=20
